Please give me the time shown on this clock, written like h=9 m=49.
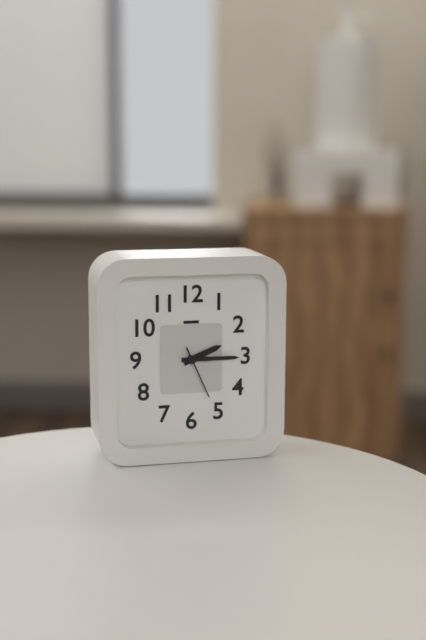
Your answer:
h=2 m=15
